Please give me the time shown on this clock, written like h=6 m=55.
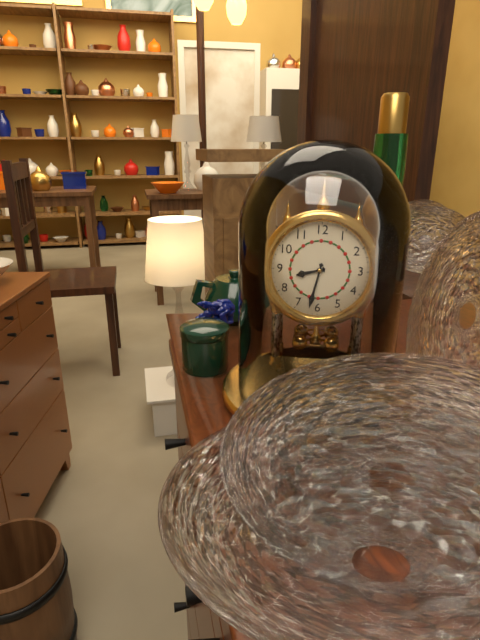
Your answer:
h=8 m=32
